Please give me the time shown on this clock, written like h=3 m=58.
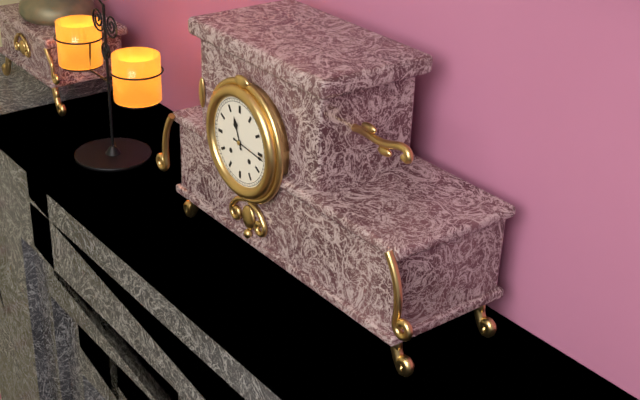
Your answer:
h=11 m=16
